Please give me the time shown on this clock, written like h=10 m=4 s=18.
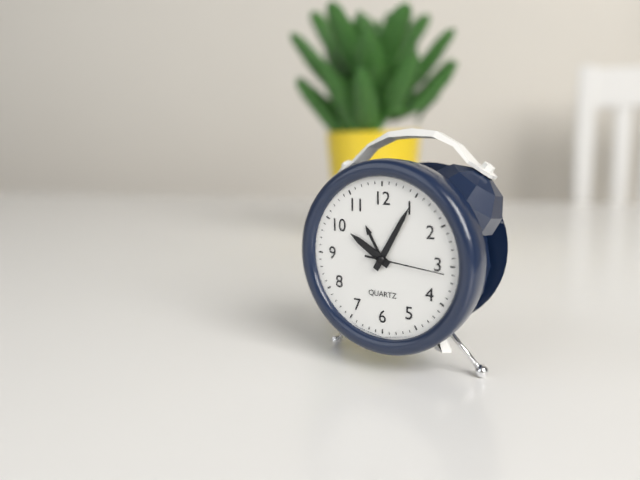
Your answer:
h=10 m=5 s=16
